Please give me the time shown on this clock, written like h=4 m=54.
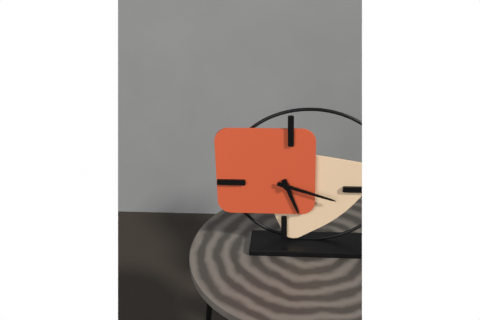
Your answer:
h=5 m=18
